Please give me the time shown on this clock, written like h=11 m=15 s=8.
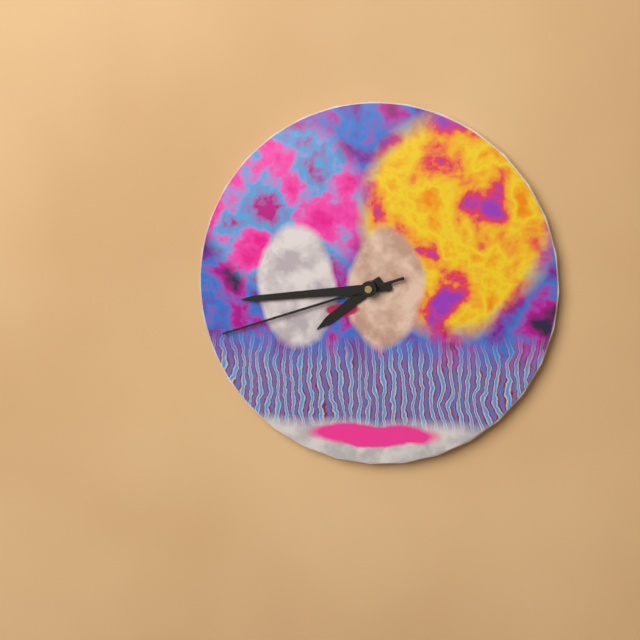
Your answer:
h=7 m=44 s=42
